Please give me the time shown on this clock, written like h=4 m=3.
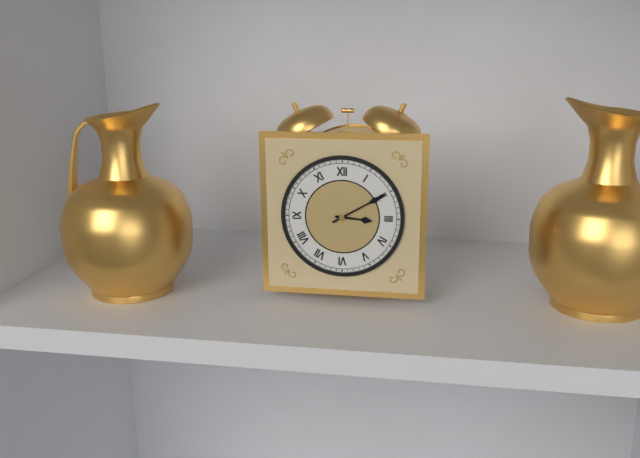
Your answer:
h=3 m=10
